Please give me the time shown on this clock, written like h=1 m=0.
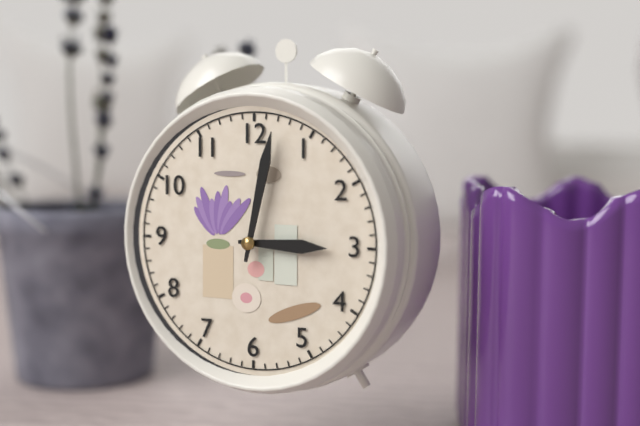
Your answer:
h=3 m=2
